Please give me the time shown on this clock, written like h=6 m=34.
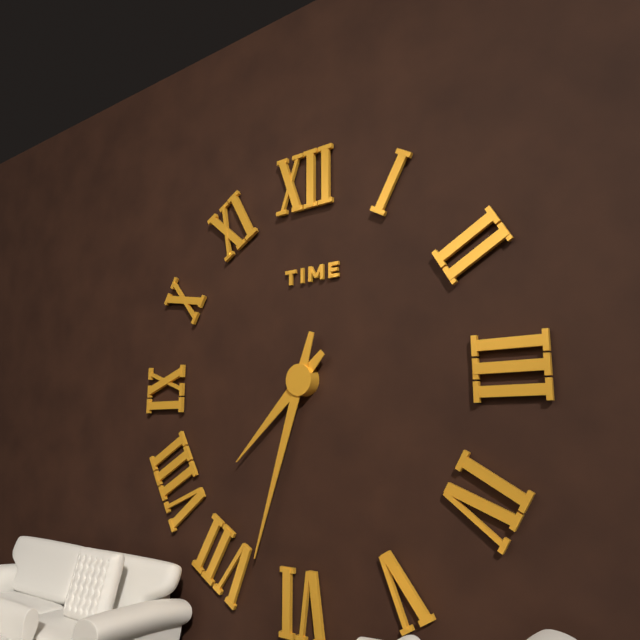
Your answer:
h=7 m=33
